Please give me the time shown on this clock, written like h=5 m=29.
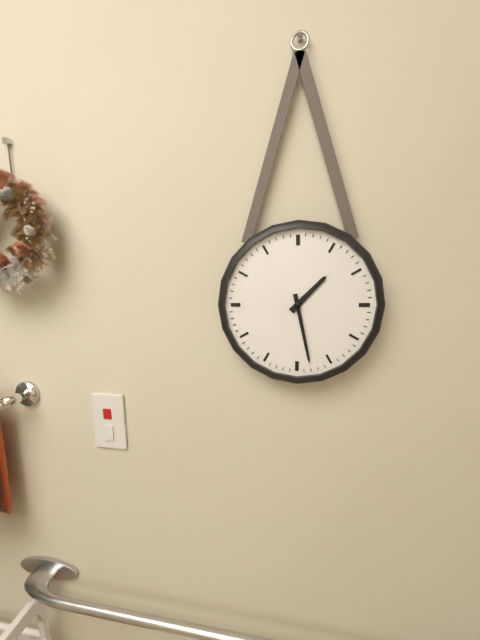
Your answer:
h=1 m=28
